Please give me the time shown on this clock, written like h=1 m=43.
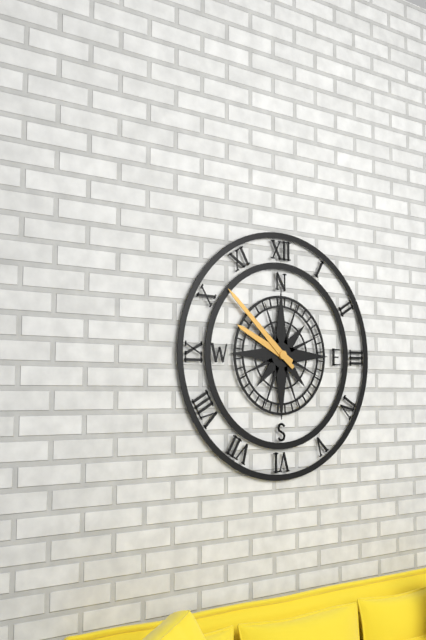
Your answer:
h=9 m=52
